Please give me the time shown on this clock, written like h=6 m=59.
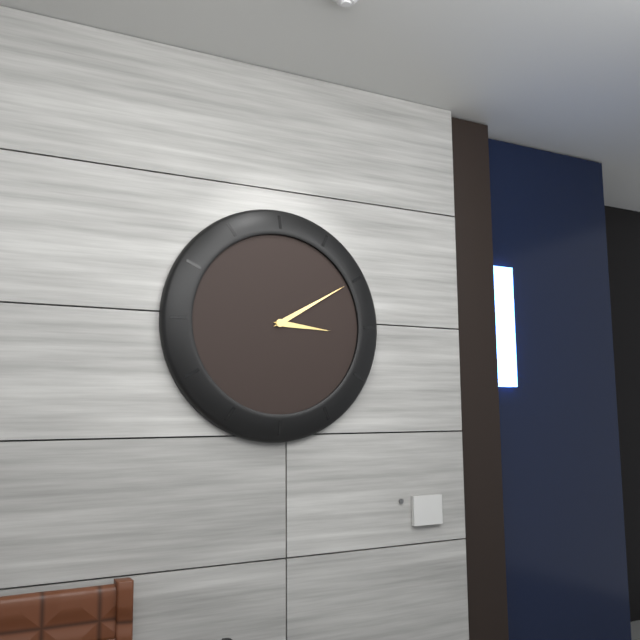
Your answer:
h=3 m=10
